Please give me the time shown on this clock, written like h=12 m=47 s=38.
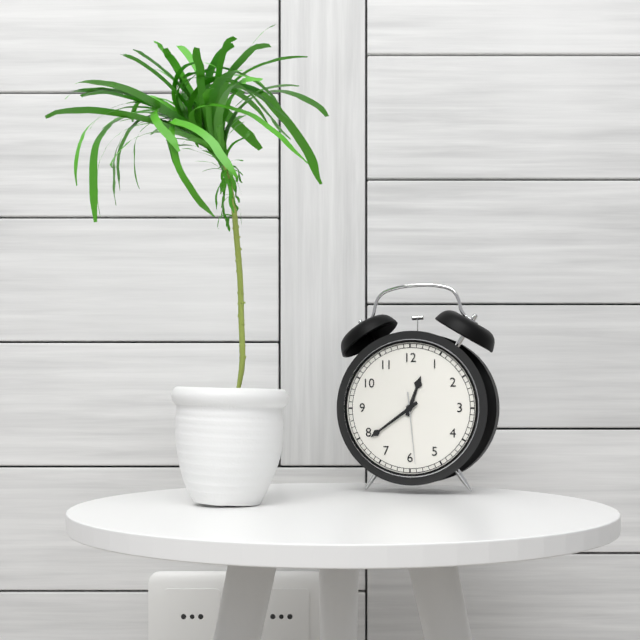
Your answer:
h=12 m=39 s=29
